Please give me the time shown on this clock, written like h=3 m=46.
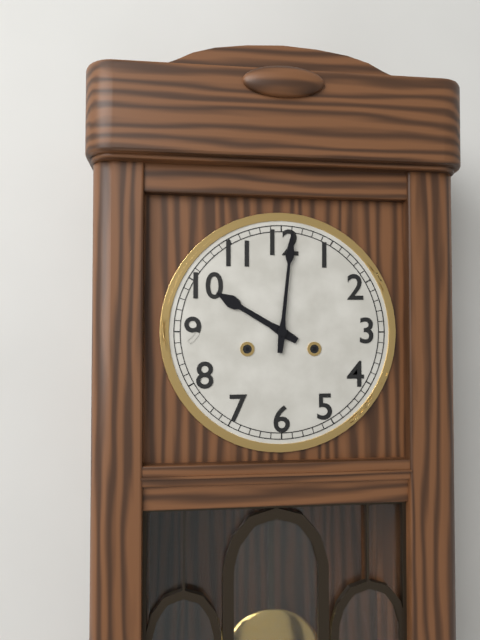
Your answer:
h=10 m=1
